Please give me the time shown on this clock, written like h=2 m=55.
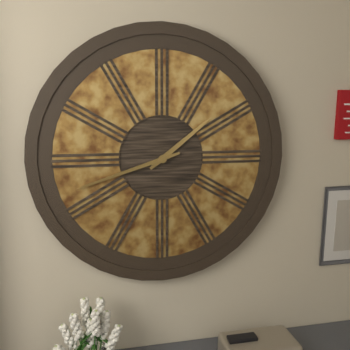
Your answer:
h=1 m=42
